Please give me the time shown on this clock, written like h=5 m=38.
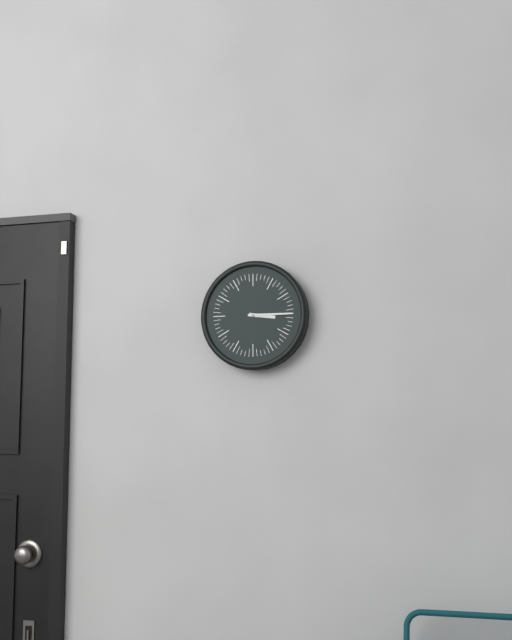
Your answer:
h=3 m=15
